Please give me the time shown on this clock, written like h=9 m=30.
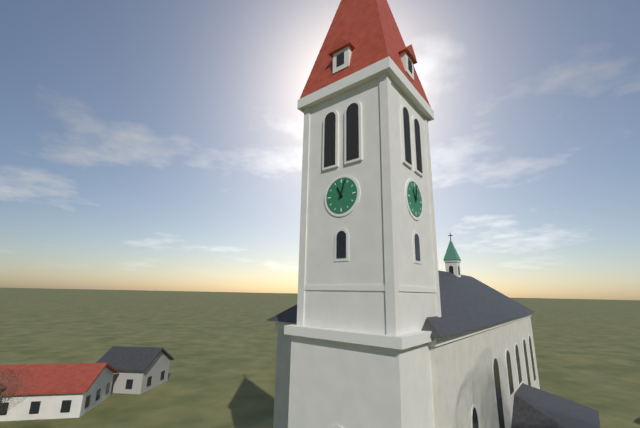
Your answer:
h=11 m=3
